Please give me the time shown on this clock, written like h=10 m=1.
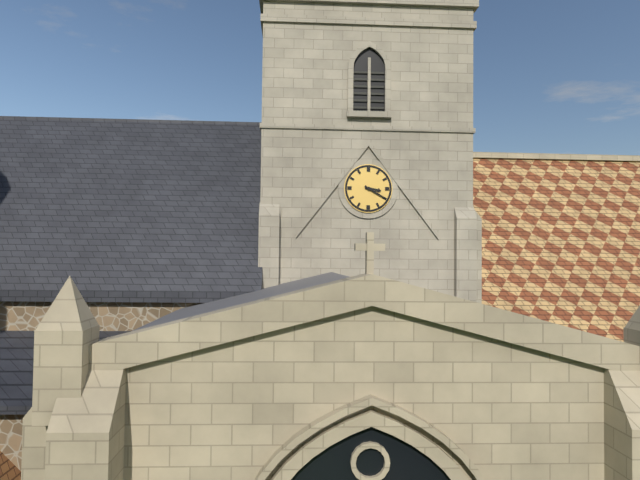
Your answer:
h=3 m=20
